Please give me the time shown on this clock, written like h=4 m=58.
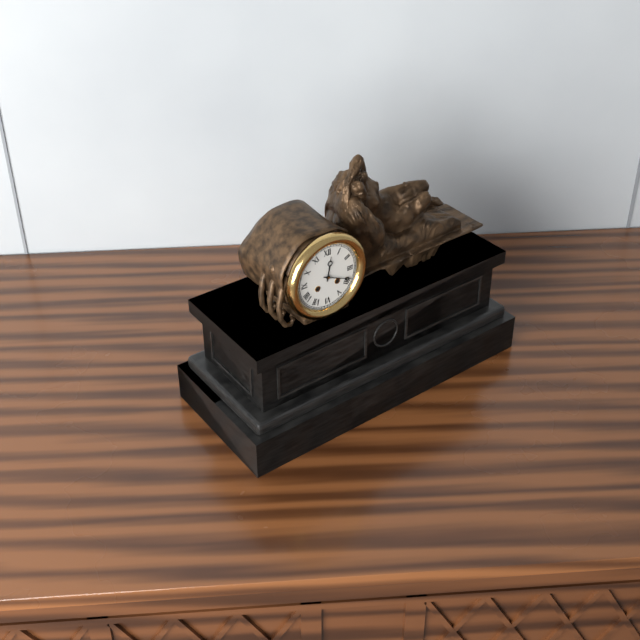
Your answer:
h=12 m=19
